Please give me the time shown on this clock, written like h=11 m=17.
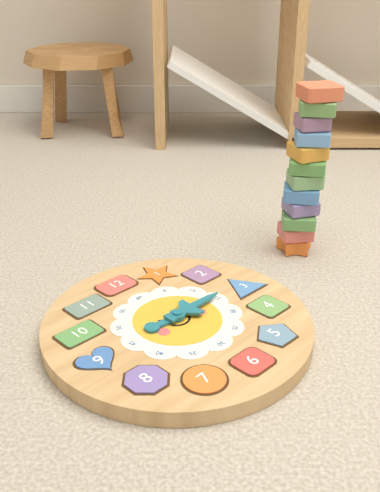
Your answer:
h=9 m=15
